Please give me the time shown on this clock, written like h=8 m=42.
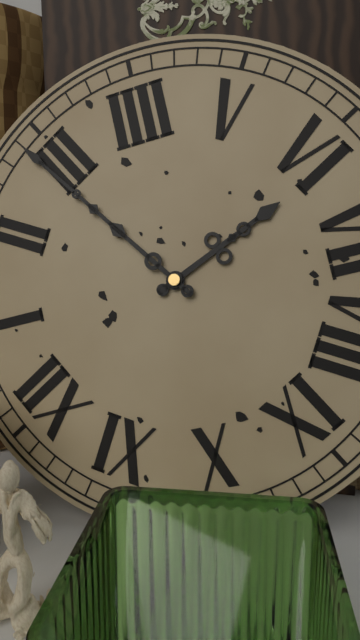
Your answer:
h=6 m=14
